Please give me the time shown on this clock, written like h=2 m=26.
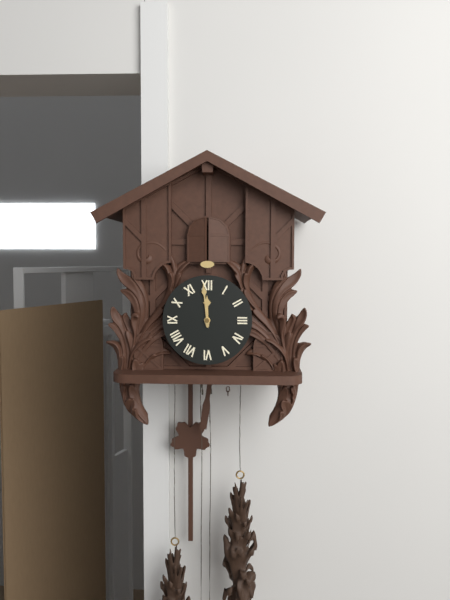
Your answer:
h=11 m=59
